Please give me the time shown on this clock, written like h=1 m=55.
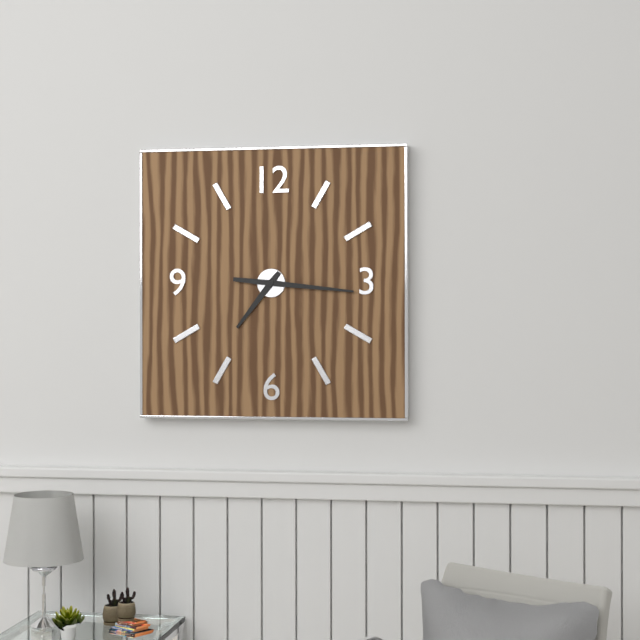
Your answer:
h=7 m=16
